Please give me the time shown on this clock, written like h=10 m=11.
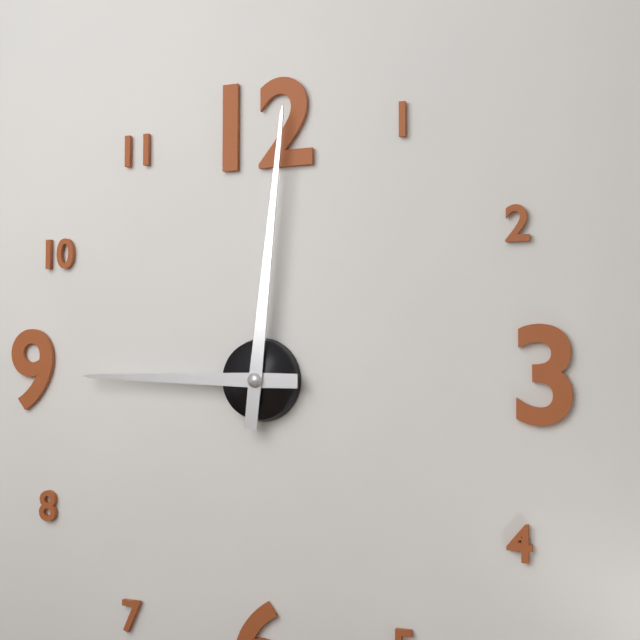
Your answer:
h=9 m=1
